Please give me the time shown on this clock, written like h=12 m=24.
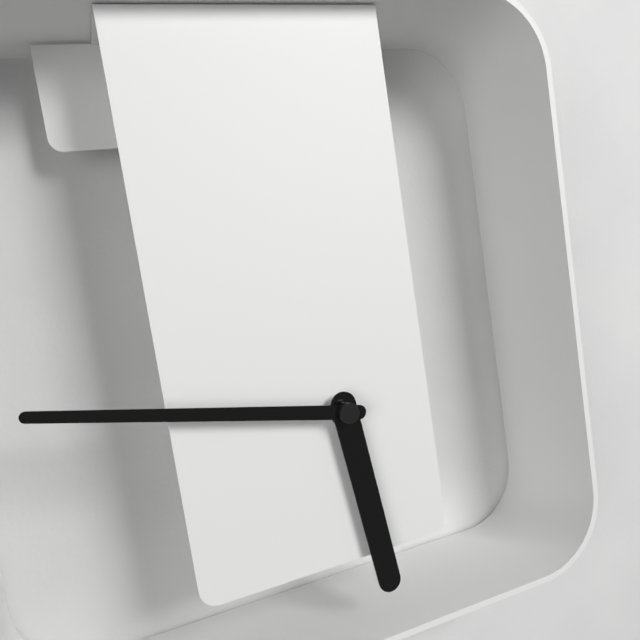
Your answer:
h=5 m=47
